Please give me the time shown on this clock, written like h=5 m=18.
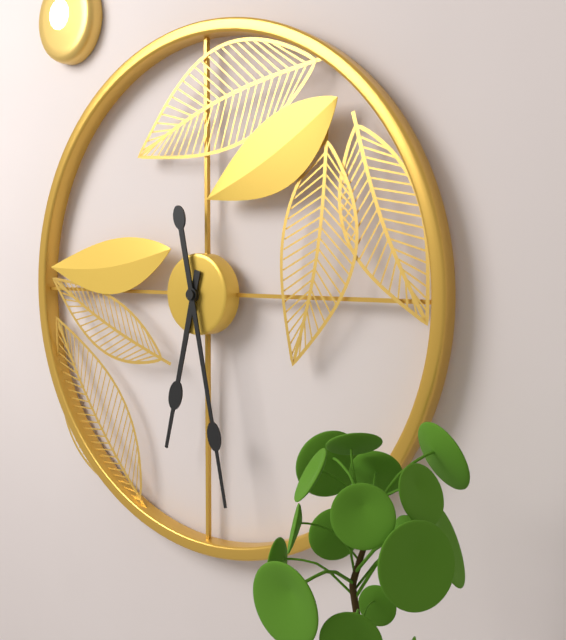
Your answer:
h=6 m=28
